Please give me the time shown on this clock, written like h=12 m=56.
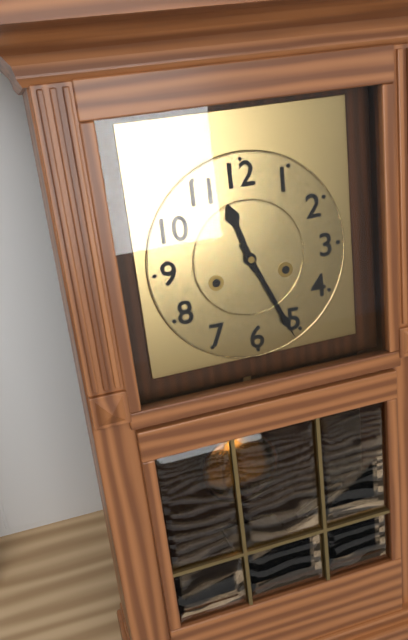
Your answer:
h=11 m=26
